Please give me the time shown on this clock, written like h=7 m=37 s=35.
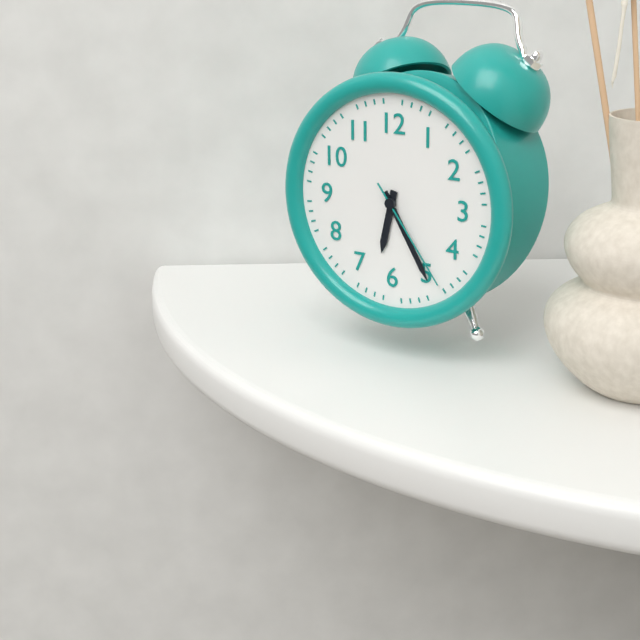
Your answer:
h=6 m=25 s=24
